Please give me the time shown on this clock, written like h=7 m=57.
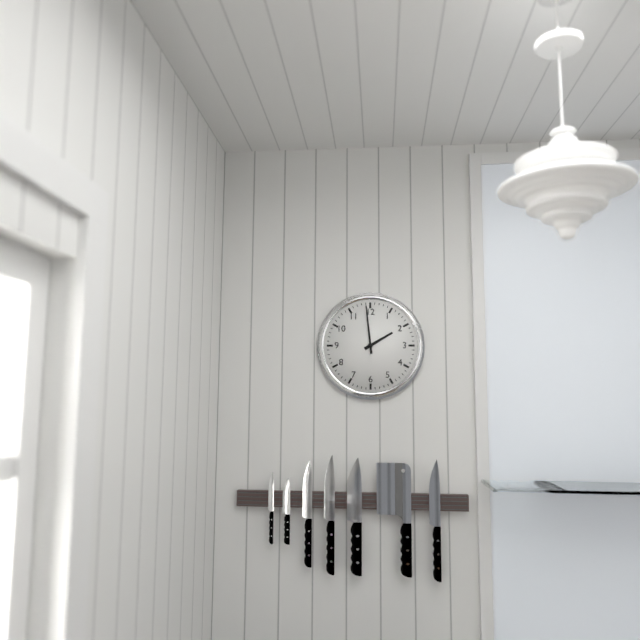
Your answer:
h=1 m=59
